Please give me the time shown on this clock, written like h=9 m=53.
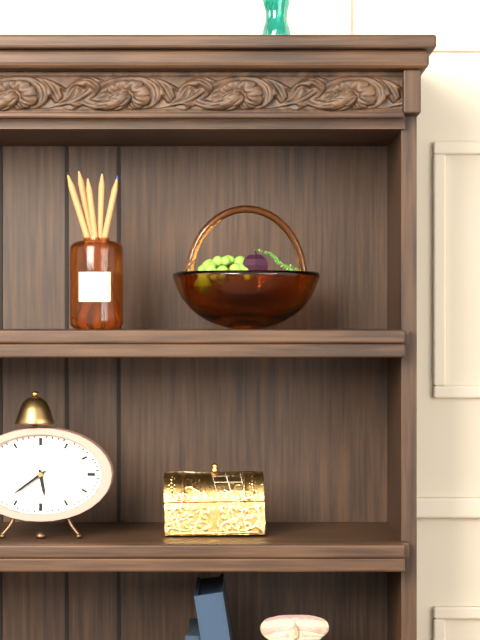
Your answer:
h=5 m=39
